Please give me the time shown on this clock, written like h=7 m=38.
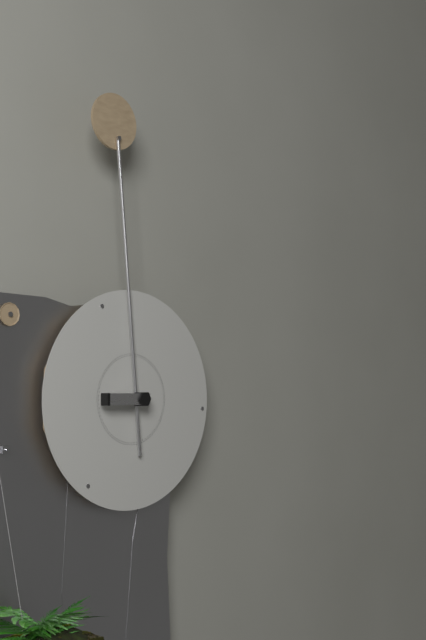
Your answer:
h=8 m=59
